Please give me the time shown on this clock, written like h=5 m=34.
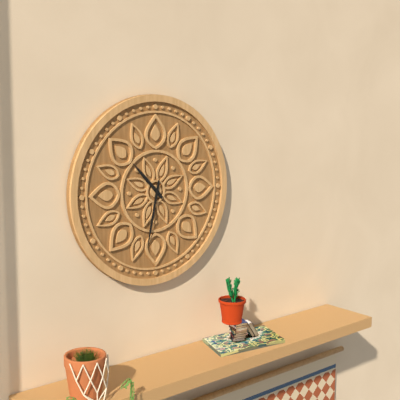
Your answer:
h=10 m=32
